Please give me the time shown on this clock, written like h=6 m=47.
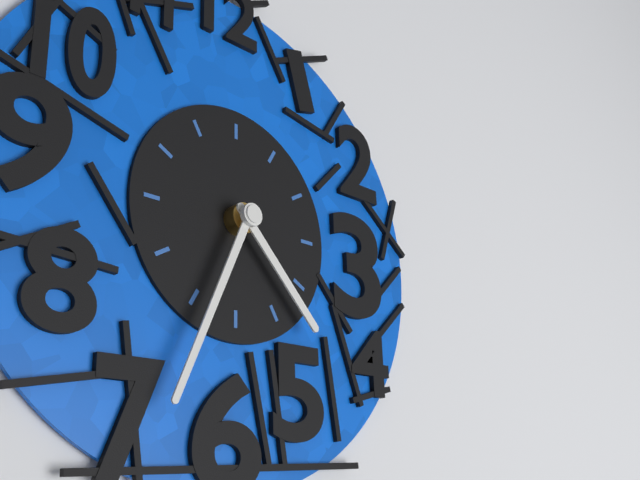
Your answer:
h=4 m=34
